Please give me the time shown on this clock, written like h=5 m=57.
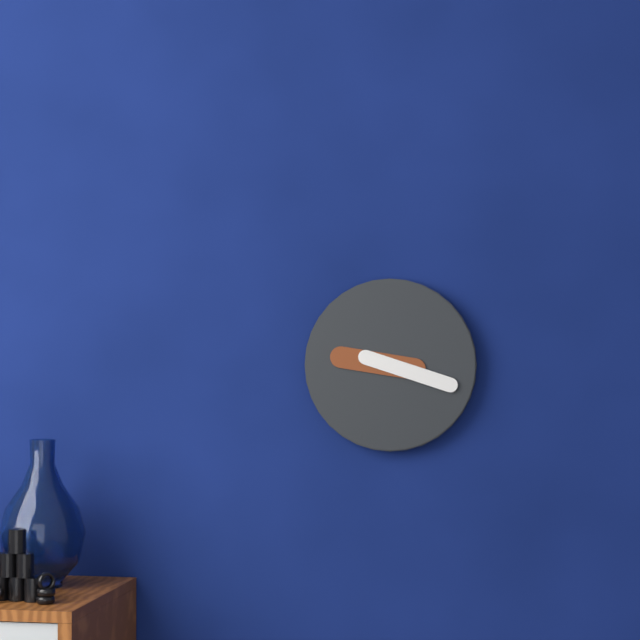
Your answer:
h=9 m=18
